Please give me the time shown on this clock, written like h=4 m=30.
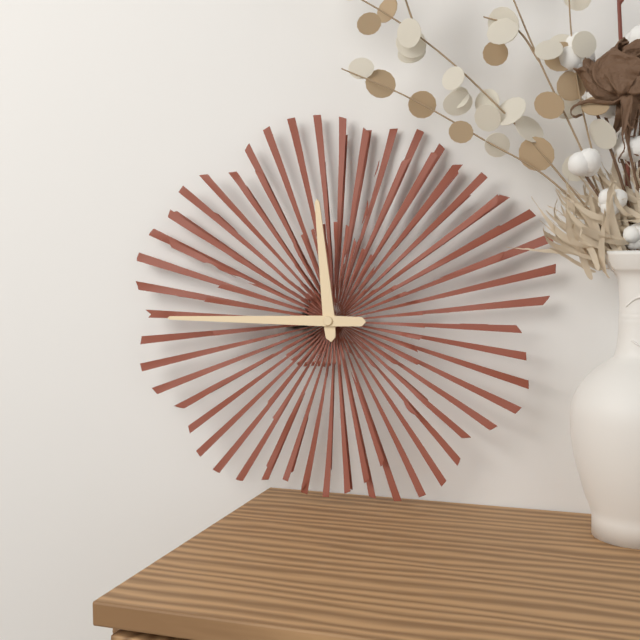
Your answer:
h=11 m=45
